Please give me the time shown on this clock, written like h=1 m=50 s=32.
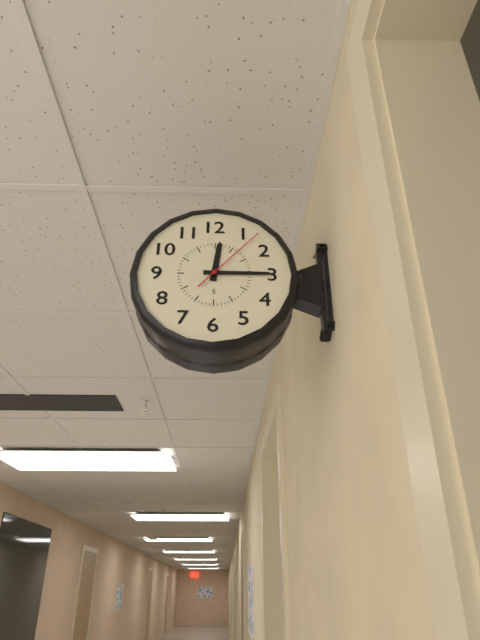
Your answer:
h=12 m=15 s=7
